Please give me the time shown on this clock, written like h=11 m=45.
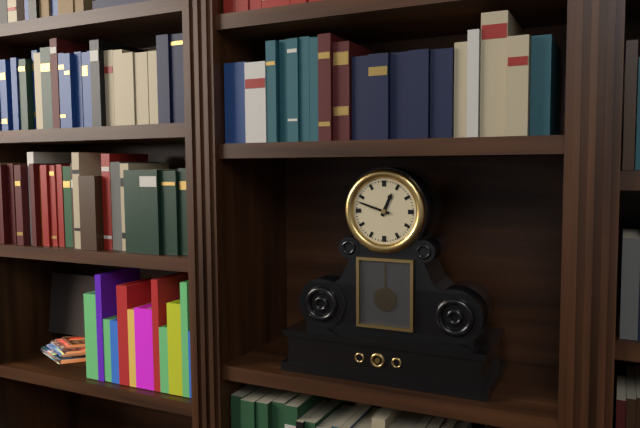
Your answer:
h=12 m=48
